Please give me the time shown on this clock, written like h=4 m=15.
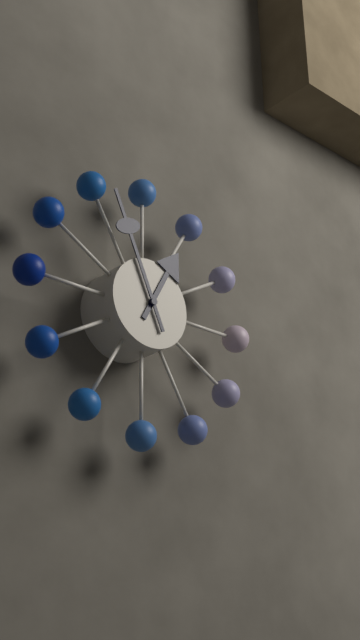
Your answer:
h=12 m=56
